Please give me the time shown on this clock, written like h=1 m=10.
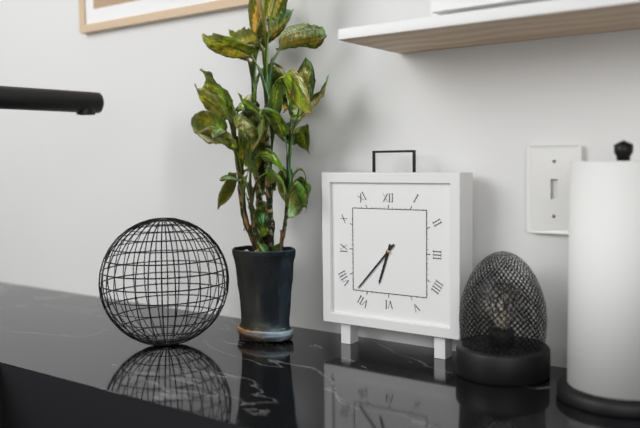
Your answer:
h=6 m=37
